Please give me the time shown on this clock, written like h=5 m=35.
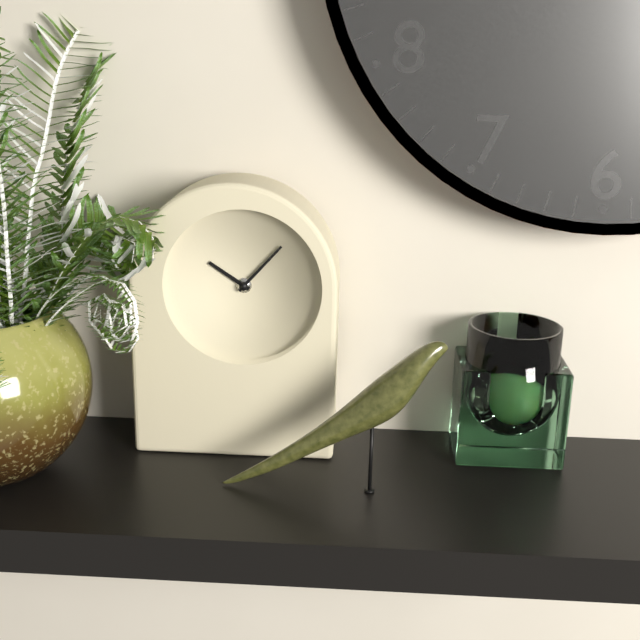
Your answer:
h=10 m=7
